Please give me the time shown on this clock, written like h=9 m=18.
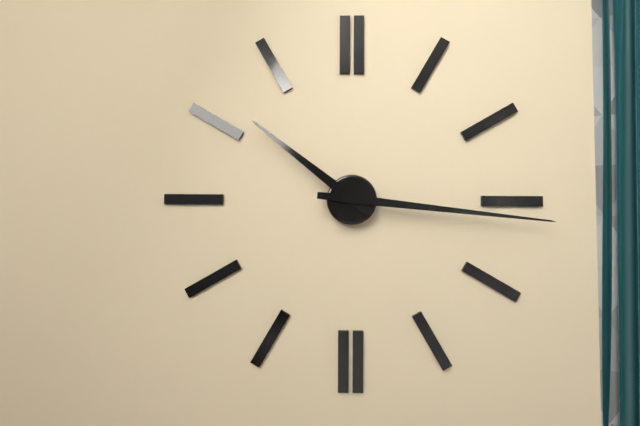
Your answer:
h=10 m=16
